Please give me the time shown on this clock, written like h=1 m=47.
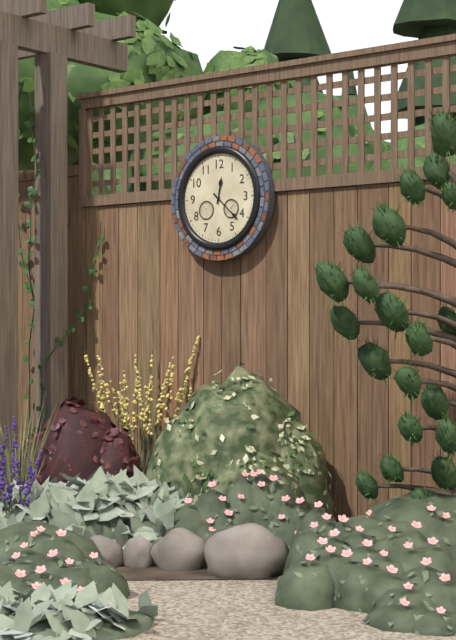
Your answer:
h=12 m=22
